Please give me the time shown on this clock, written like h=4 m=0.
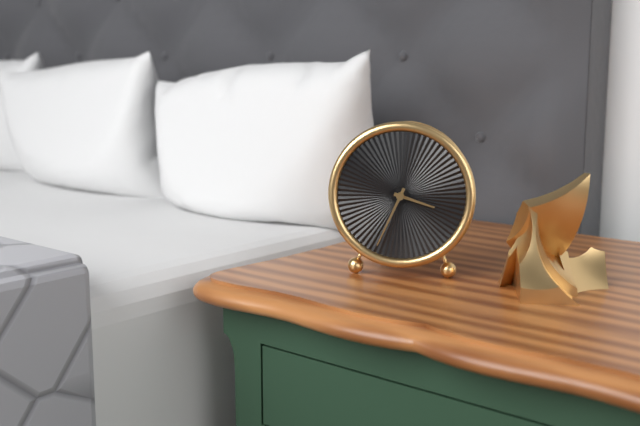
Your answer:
h=3 m=34
